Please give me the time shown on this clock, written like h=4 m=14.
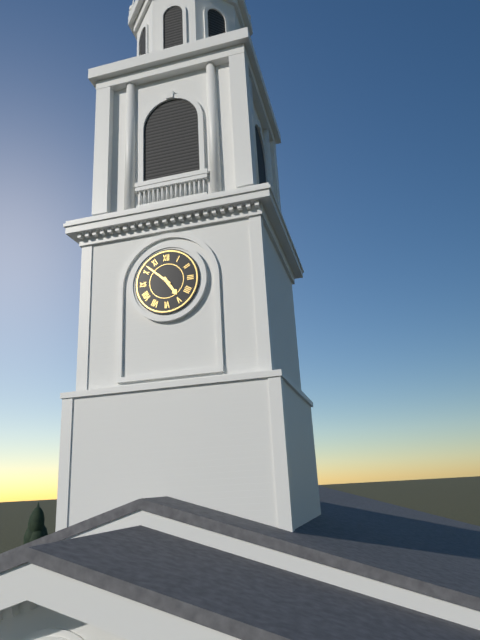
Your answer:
h=4 m=52
